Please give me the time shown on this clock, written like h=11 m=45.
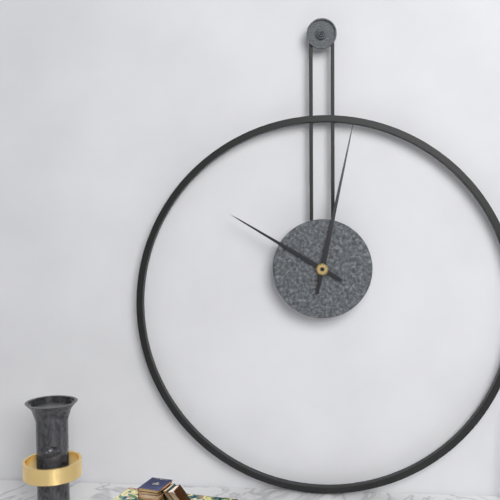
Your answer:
h=10 m=2
